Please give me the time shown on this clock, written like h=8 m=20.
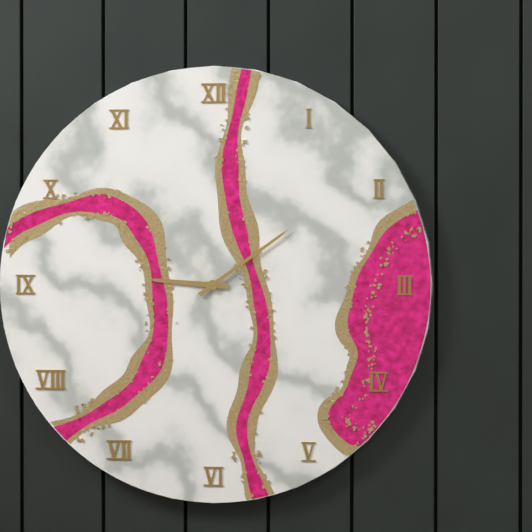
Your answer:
h=9 m=9
